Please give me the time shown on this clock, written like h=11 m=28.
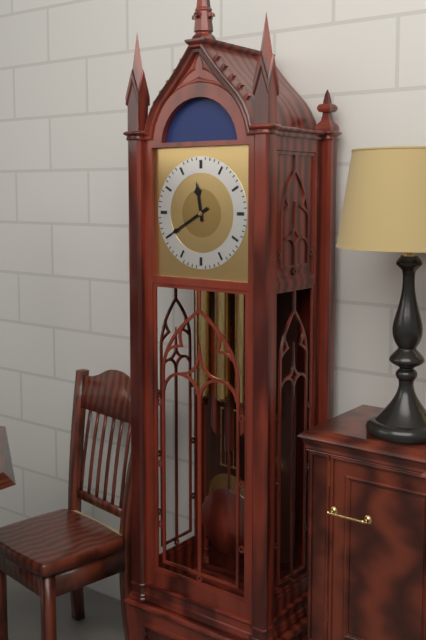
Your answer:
h=11 m=40
